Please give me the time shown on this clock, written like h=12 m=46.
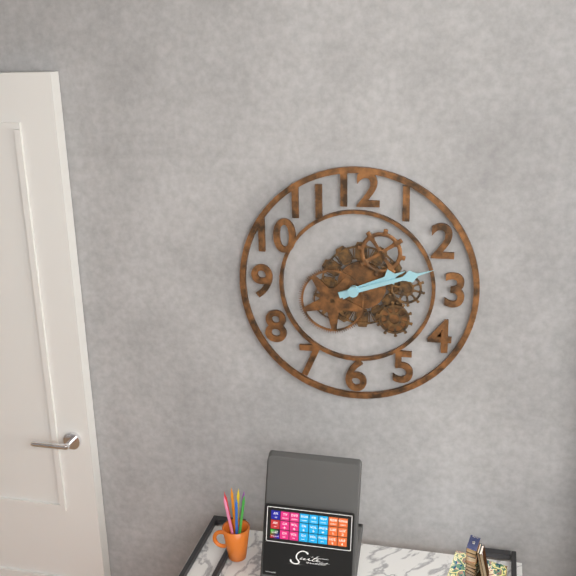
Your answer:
h=2 m=12
